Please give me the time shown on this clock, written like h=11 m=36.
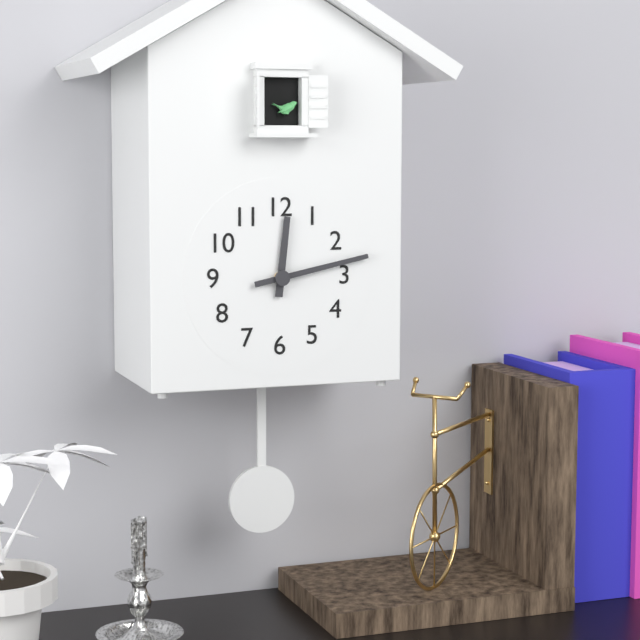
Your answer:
h=12 m=13
